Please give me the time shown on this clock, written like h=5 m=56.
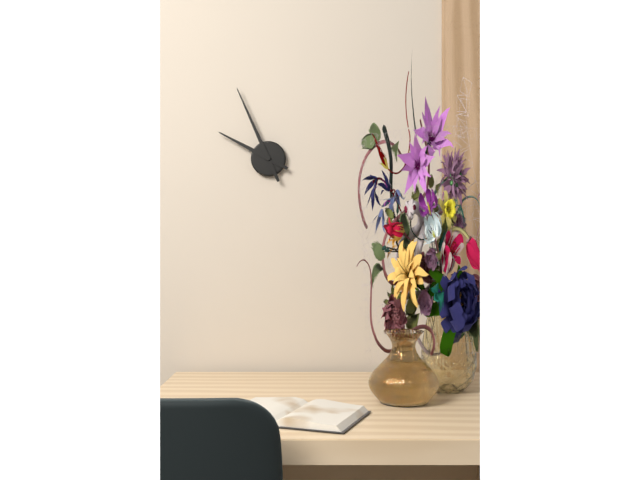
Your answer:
h=9 m=56
